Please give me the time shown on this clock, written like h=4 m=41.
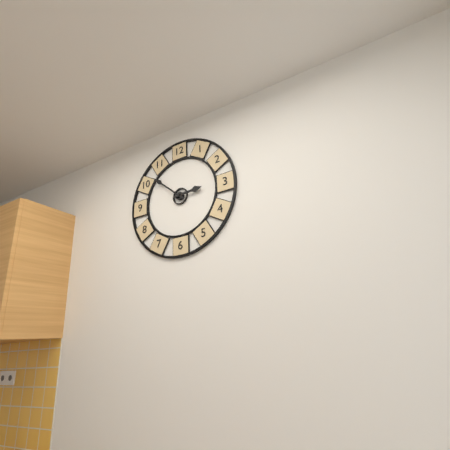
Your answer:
h=2 m=52
